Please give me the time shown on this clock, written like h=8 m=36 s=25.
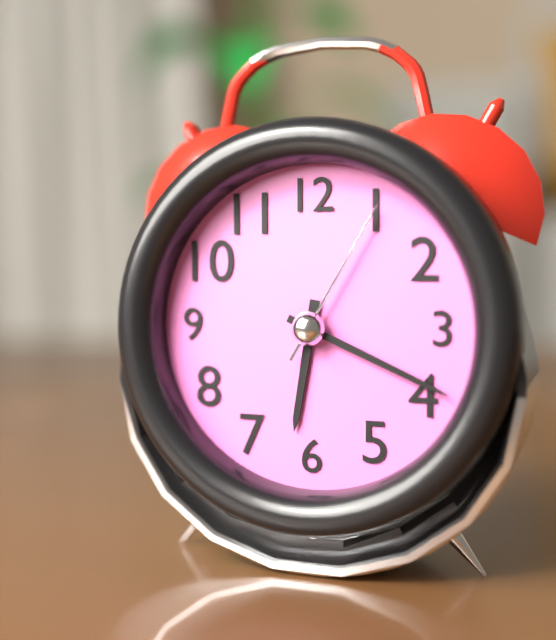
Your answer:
h=6 m=19 s=5
